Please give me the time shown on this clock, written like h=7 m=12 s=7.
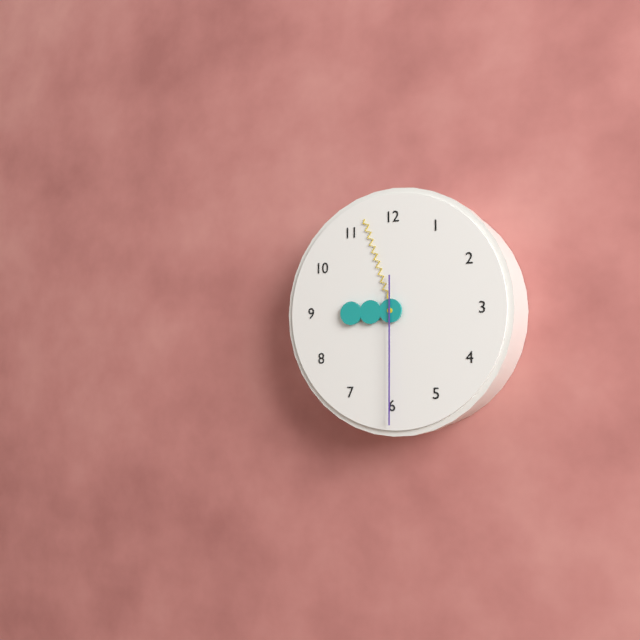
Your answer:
h=8 m=57 s=30
